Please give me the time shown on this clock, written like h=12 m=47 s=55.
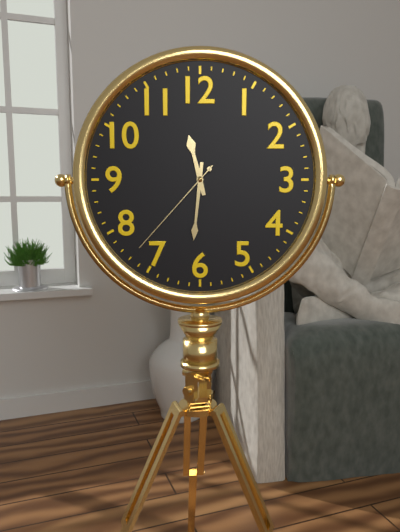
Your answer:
h=11 m=31 s=37
